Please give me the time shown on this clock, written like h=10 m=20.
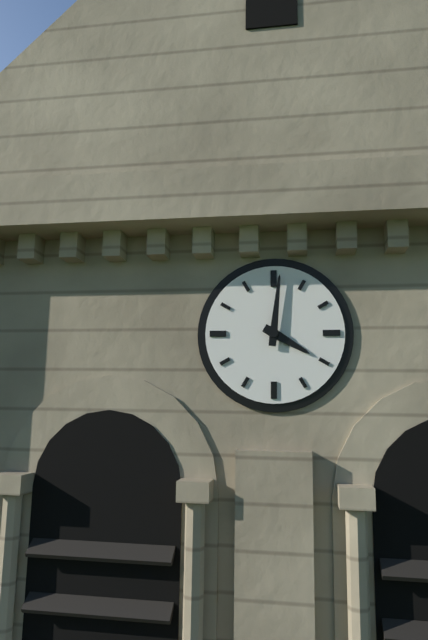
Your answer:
h=4 m=1
